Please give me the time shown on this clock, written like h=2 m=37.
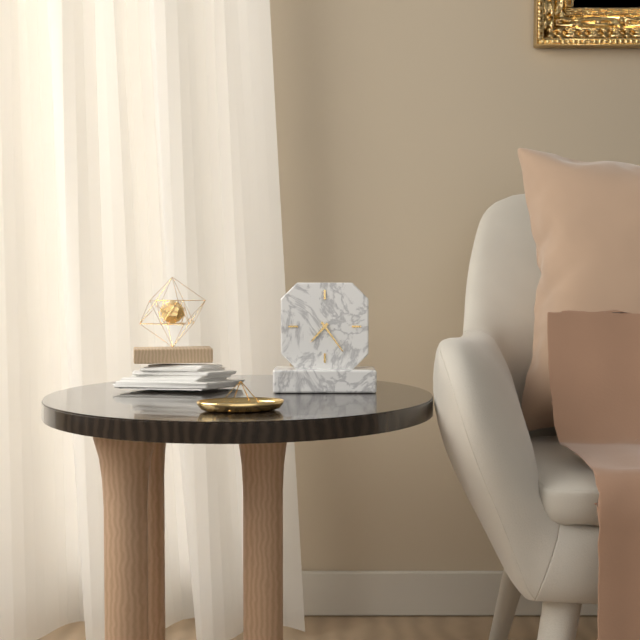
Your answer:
h=7 m=24
